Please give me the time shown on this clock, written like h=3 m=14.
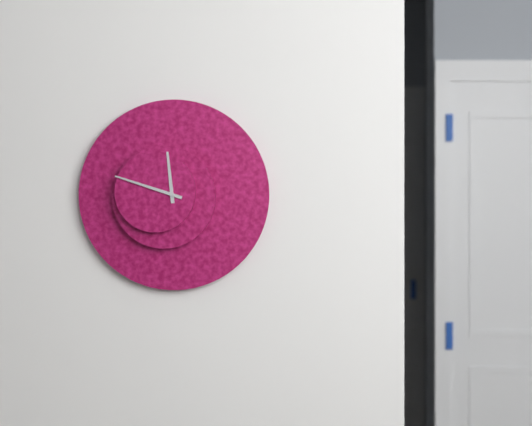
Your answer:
h=11 m=48
